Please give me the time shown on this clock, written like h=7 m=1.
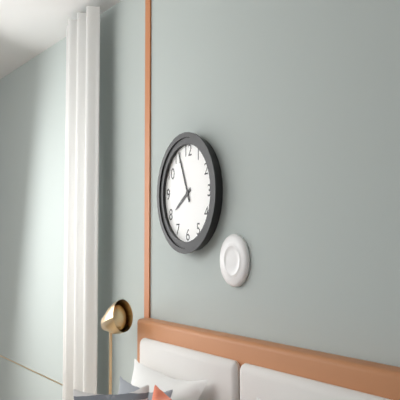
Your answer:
h=7 m=56
